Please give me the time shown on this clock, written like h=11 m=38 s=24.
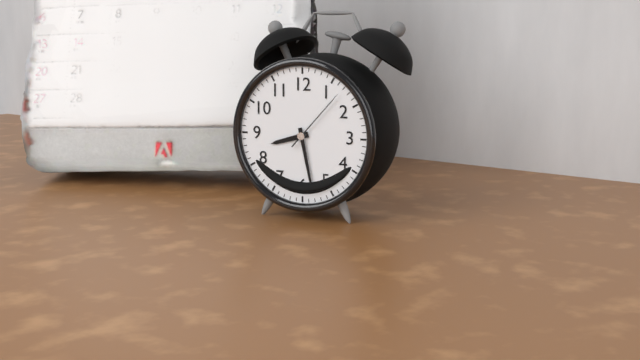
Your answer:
h=8 m=28 s=7
